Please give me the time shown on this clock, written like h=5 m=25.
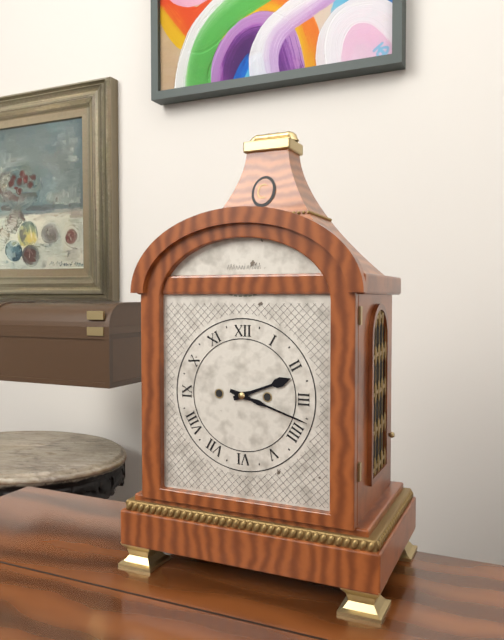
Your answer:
h=2 m=18
